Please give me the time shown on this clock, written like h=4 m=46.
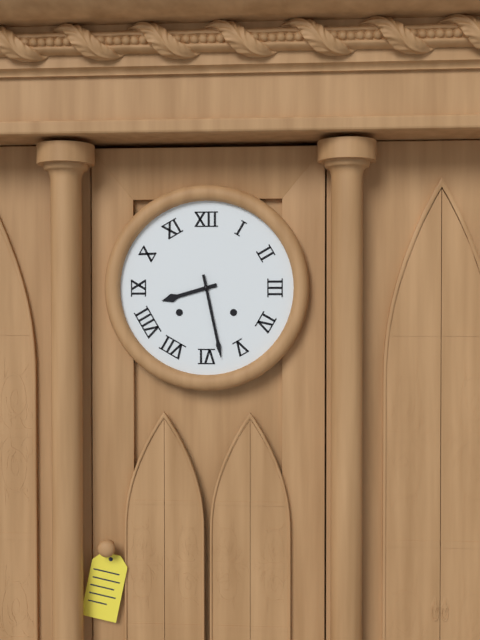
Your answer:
h=8 m=28
